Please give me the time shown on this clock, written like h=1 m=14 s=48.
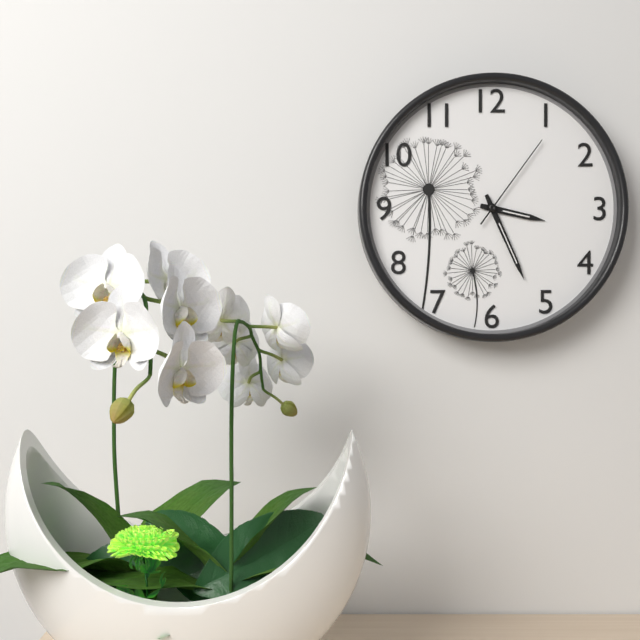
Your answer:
h=3 m=26 s=6
